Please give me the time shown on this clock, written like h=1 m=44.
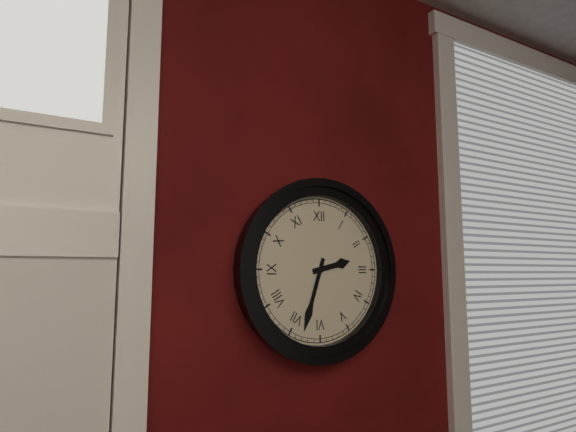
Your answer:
h=2 m=33
